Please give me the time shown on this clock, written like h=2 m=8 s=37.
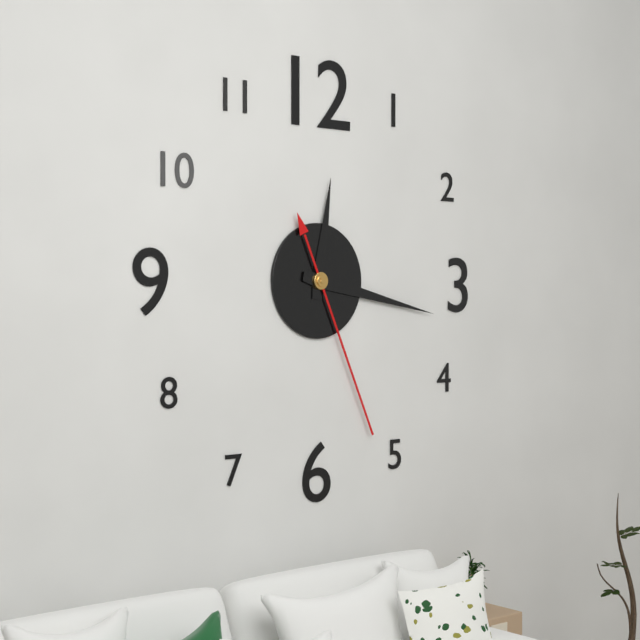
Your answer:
h=12 m=17 s=26
